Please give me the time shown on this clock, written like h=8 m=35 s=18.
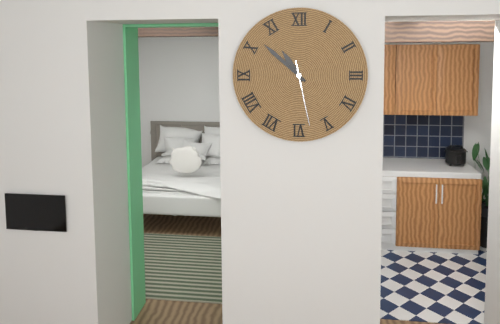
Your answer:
h=10 m=52 s=28
